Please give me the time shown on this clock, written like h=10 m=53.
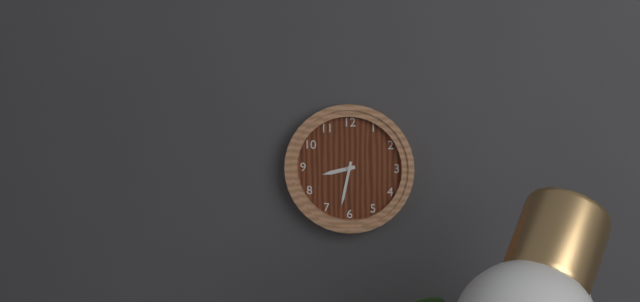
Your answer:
h=8 m=32
